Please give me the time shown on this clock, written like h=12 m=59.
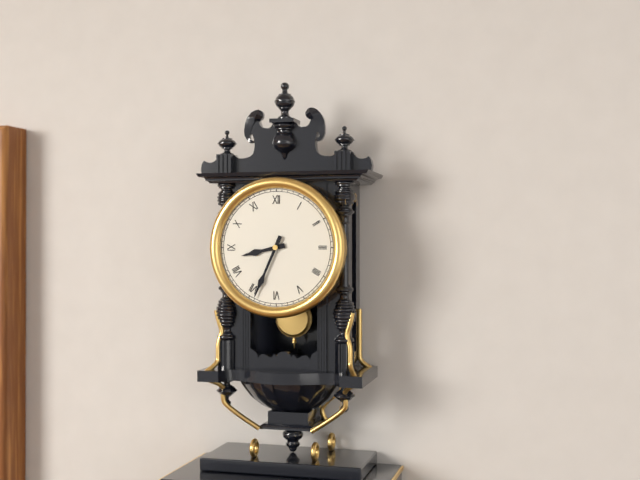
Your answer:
h=8 m=34
